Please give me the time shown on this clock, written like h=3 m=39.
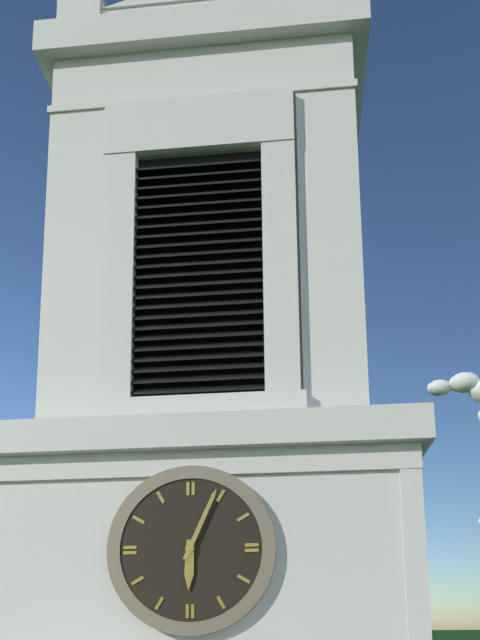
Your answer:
h=6 m=4
